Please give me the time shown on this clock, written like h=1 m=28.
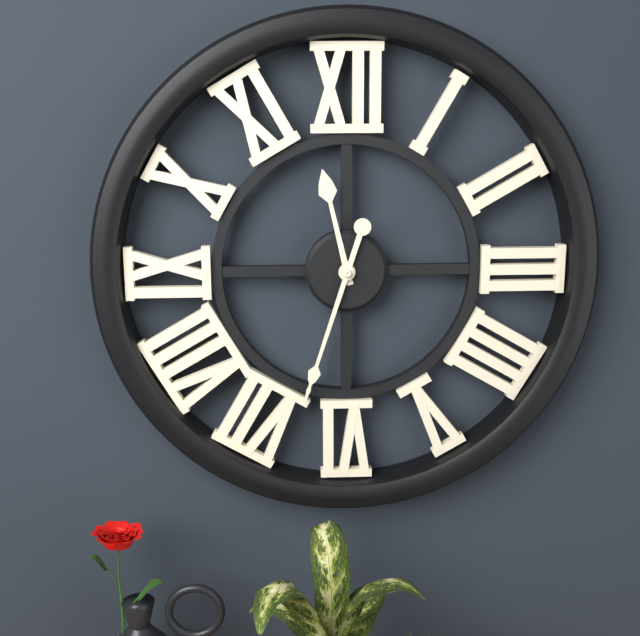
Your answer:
h=11 m=33
